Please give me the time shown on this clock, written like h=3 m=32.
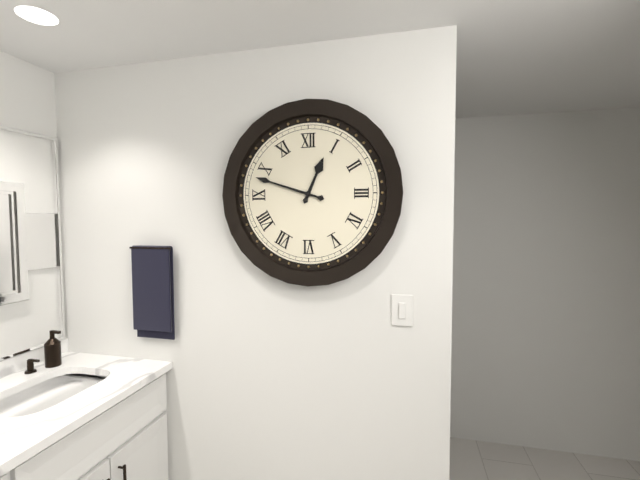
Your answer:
h=12 m=48
